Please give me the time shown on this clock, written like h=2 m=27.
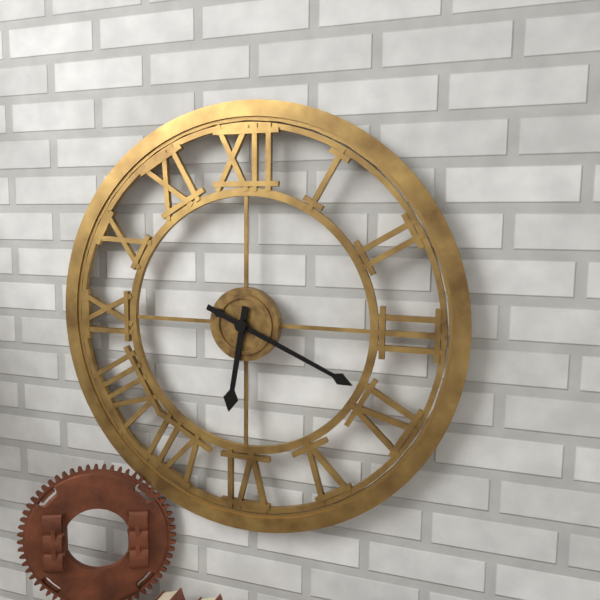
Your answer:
h=6 m=19
